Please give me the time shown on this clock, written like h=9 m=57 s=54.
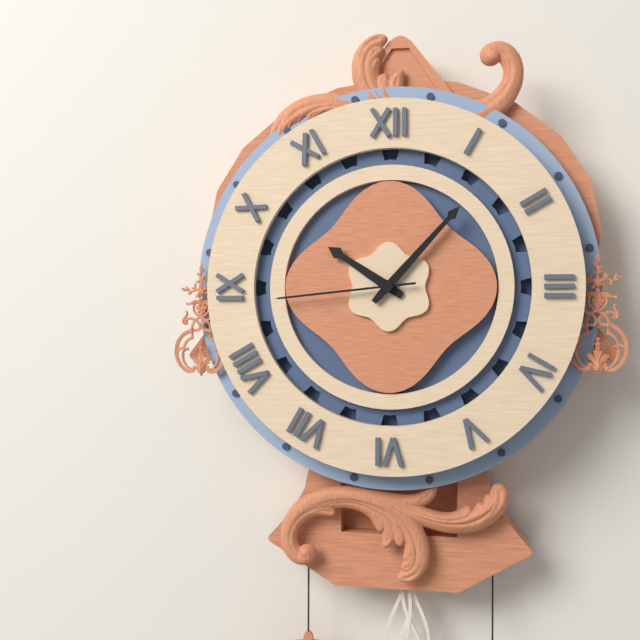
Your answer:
h=10 m=7 s=44
